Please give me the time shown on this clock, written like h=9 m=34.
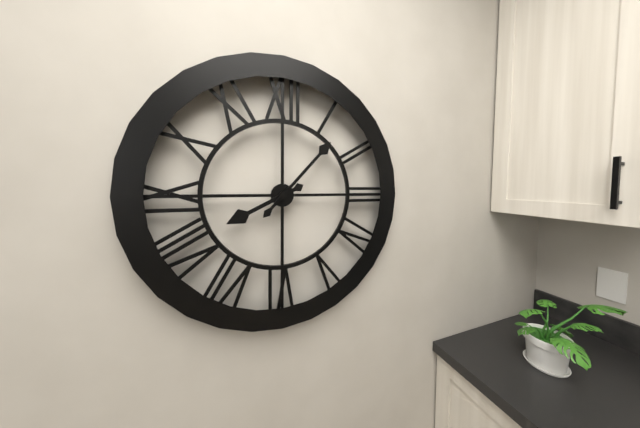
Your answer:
h=8 m=7
